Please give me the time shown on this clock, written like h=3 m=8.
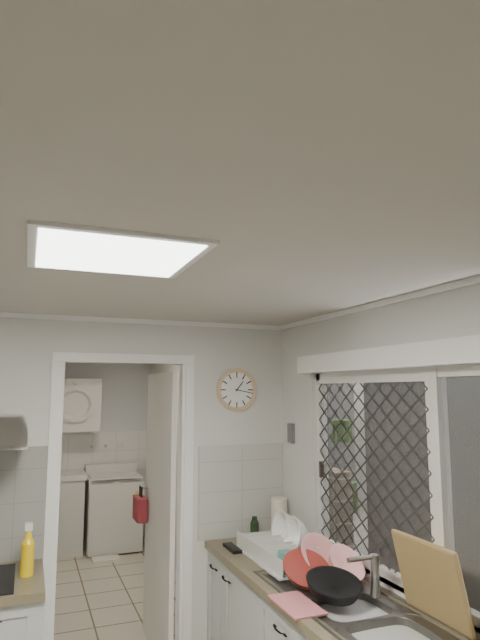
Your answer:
h=1 m=17
